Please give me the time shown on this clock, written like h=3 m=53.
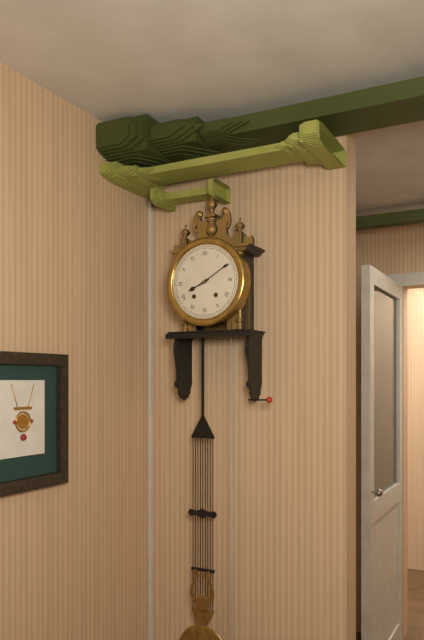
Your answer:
h=8 m=10
